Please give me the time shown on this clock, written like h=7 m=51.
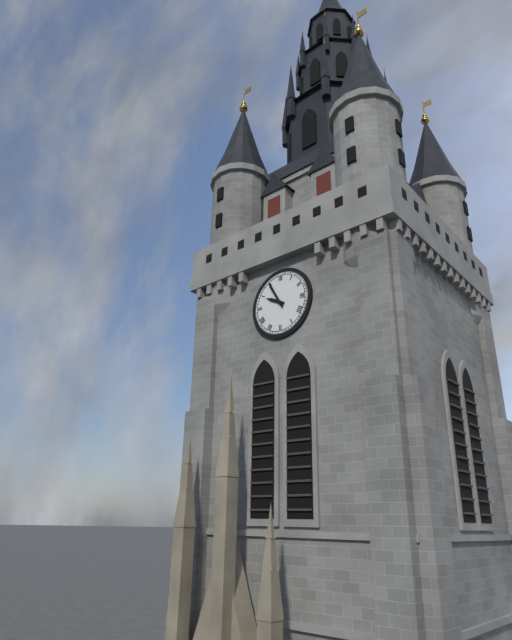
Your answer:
h=9 m=55
